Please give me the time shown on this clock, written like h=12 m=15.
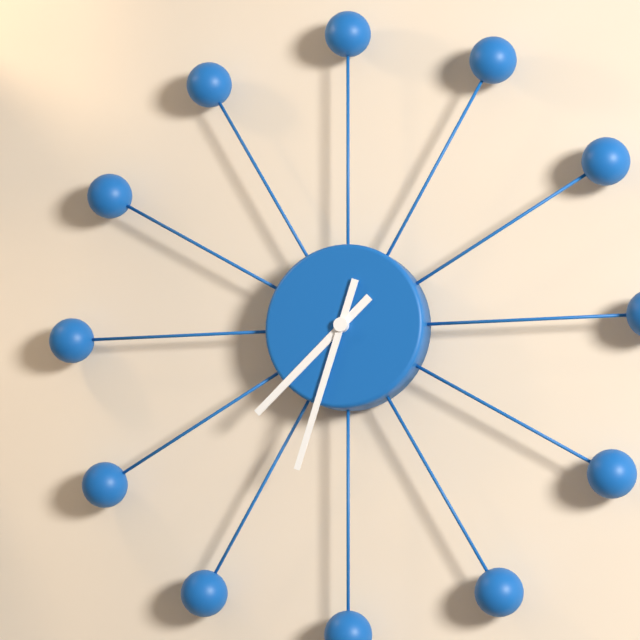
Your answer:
h=7 m=33
